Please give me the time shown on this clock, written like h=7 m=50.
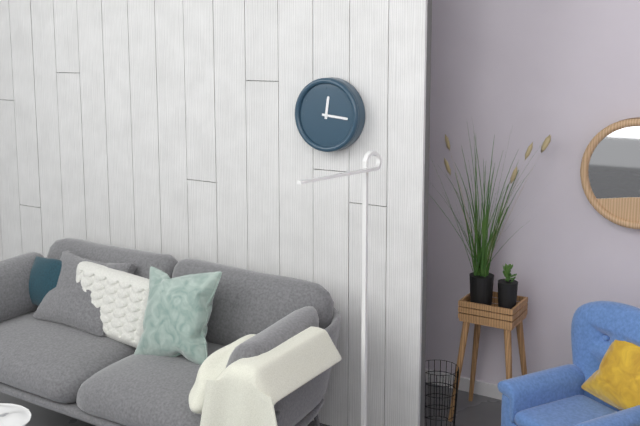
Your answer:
h=12 m=16
